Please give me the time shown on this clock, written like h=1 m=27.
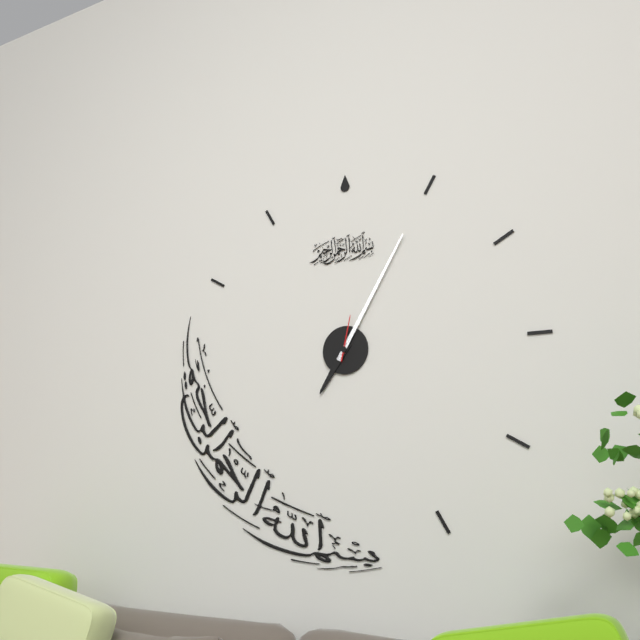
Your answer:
h=7 m=5
